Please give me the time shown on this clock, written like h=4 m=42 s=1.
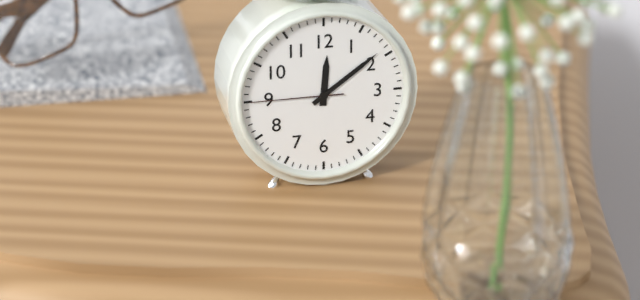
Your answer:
h=12 m=9 s=45
